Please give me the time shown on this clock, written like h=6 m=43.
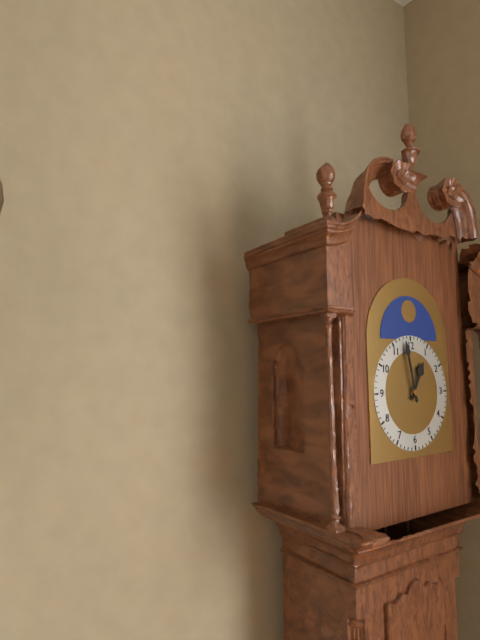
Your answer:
h=12 m=58
